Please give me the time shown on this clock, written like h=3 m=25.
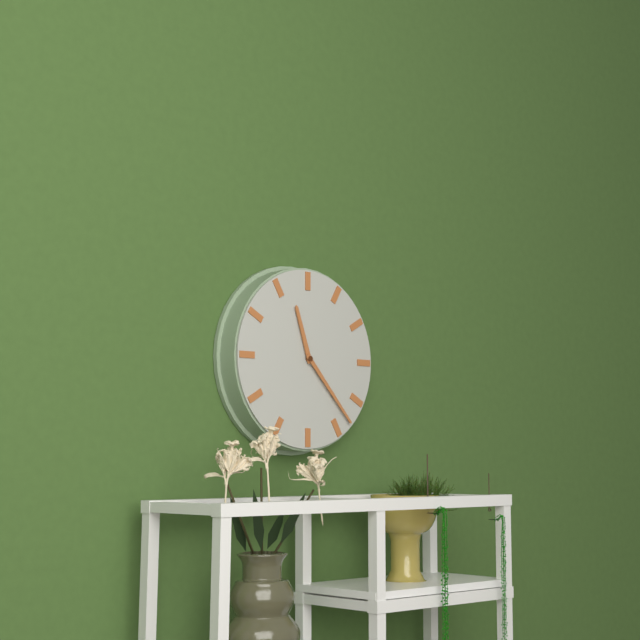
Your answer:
h=11 m=23
